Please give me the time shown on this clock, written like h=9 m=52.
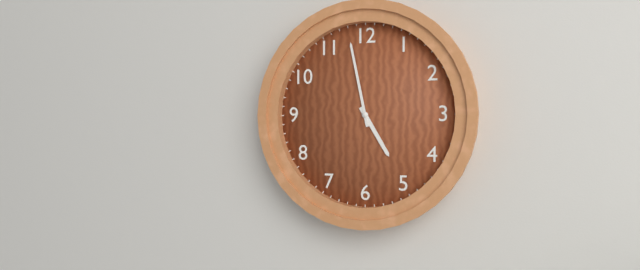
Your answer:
h=4 m=58
